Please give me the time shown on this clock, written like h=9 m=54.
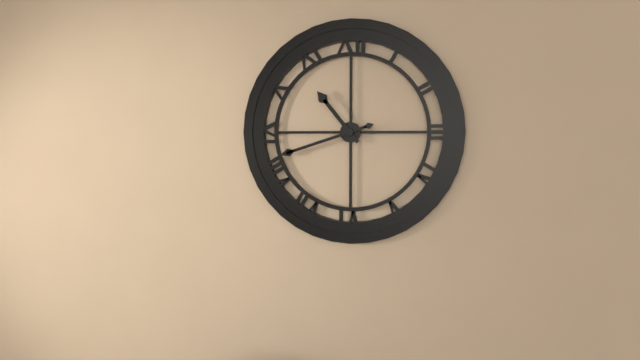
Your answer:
h=10 m=42
